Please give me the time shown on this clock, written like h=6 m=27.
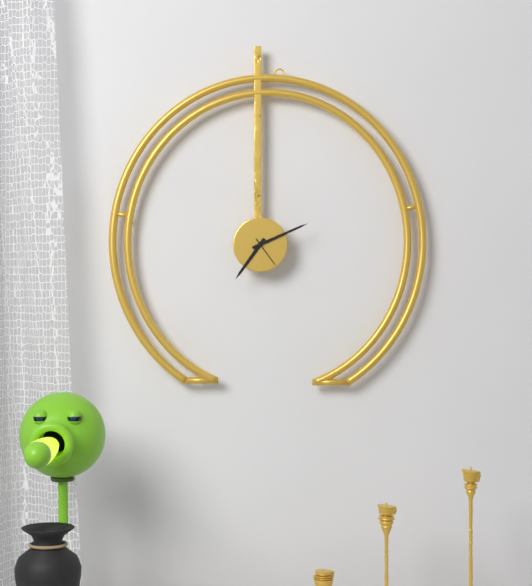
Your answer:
h=7 m=11
